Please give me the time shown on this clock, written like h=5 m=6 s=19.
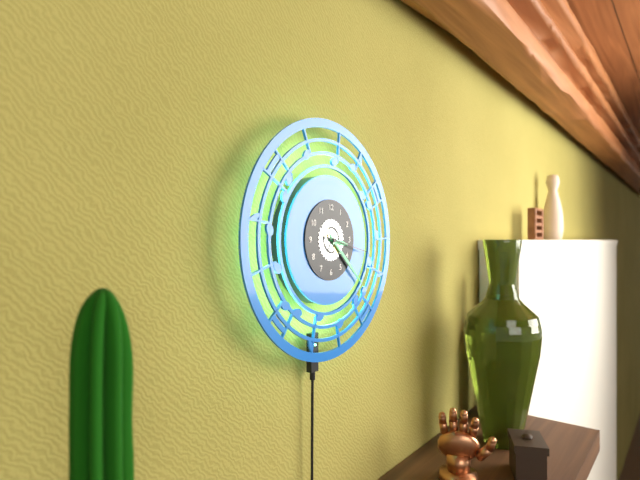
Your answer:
h=3 m=22 s=17
